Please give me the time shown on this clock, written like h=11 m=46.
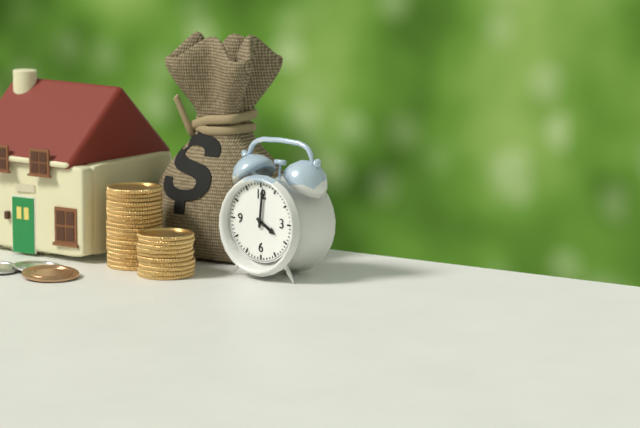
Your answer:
h=4 m=1
